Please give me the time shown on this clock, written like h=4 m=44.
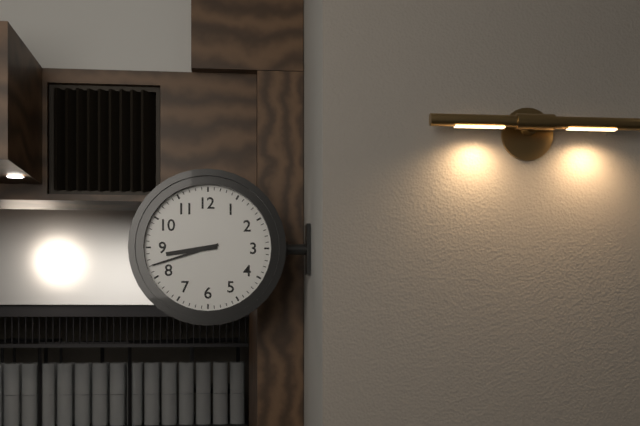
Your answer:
h=8 m=42
